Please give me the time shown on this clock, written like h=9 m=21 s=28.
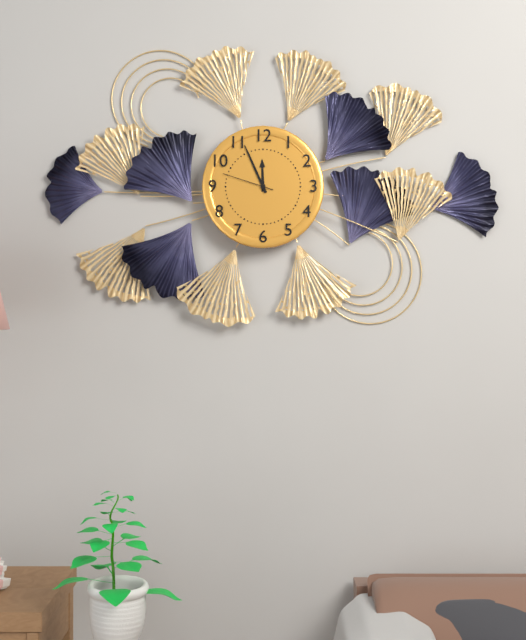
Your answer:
h=11 m=56 s=48
